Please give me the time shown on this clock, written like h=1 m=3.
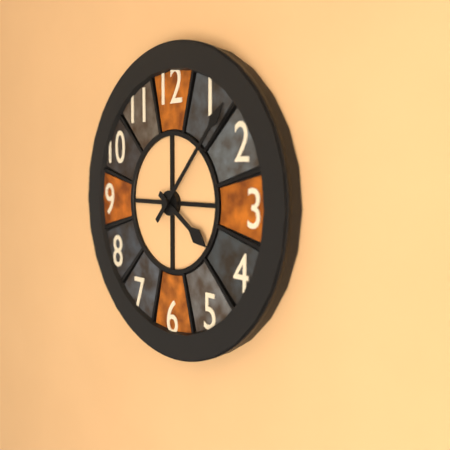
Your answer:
h=4 m=7
